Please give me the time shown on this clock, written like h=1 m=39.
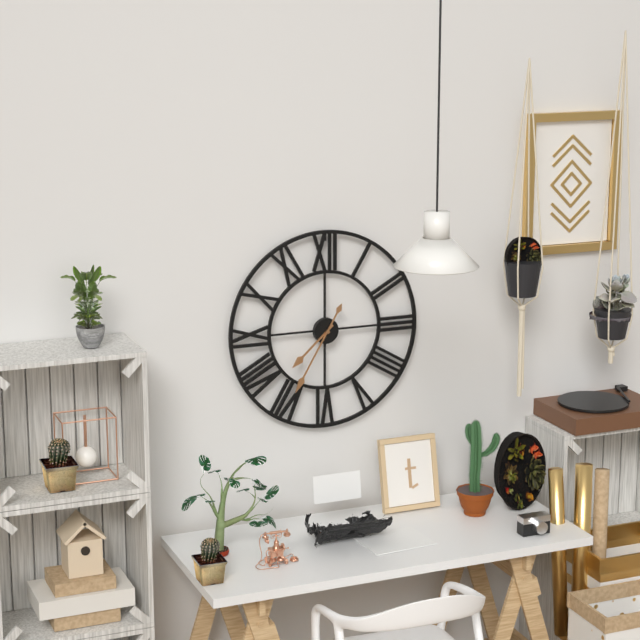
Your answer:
h=7 m=35
